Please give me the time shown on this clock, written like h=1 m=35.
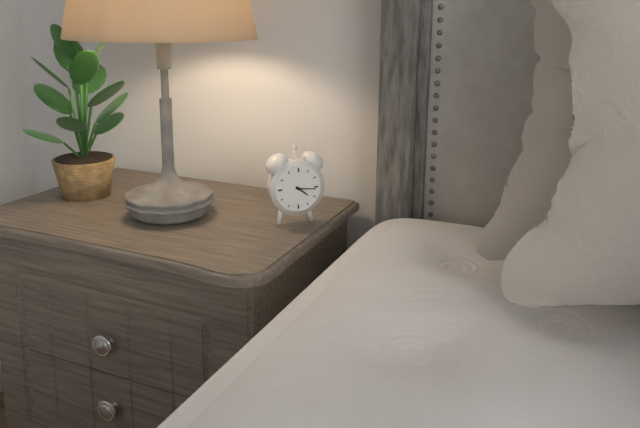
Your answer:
h=4 m=16
